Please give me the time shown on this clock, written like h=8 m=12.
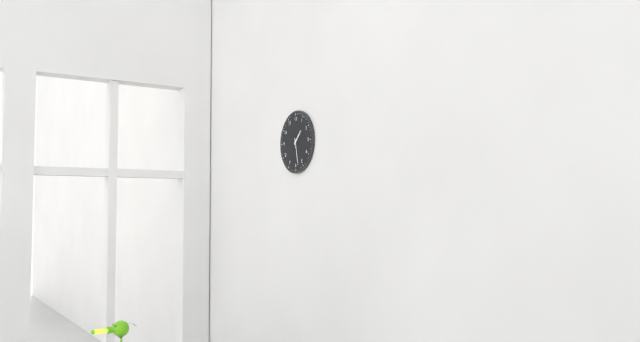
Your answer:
h=1 m=28
